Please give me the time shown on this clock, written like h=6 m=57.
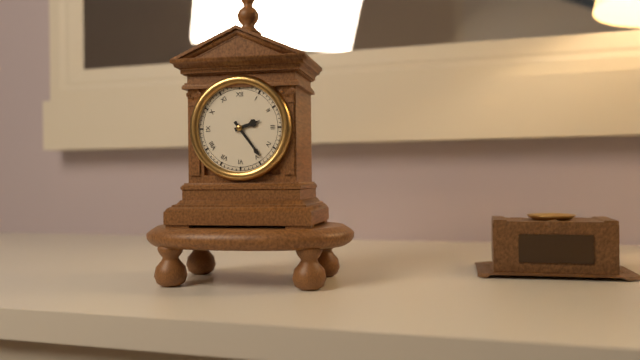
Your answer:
h=2 m=24
